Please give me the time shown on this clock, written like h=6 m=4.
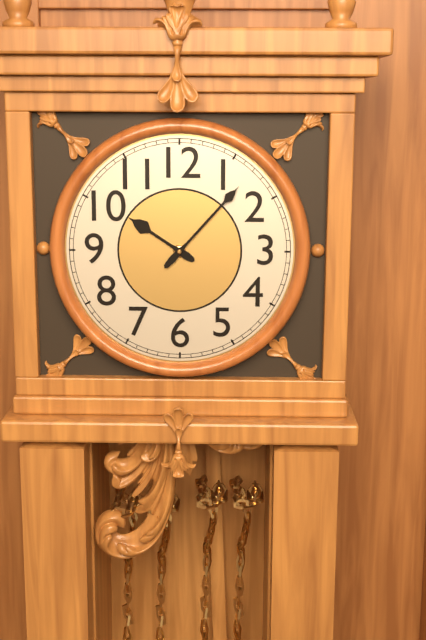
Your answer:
h=10 m=7
